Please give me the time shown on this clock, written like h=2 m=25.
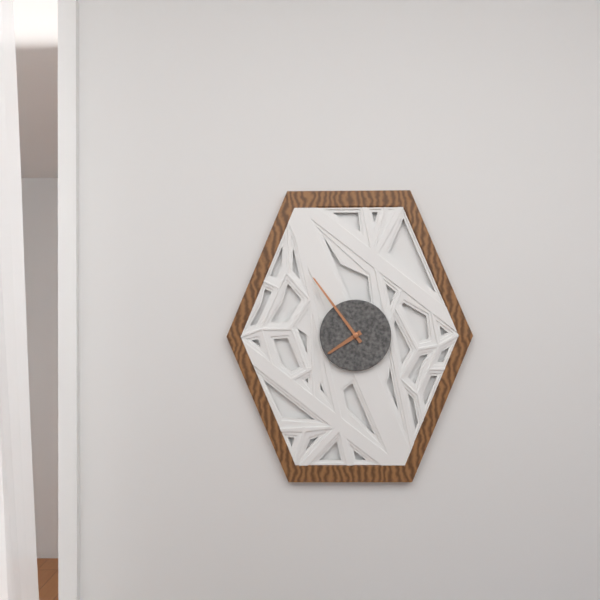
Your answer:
h=7 m=54
